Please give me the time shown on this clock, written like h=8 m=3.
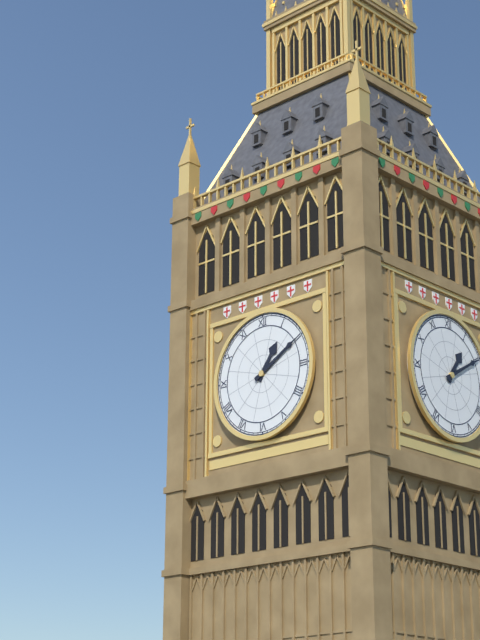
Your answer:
h=1 m=10
